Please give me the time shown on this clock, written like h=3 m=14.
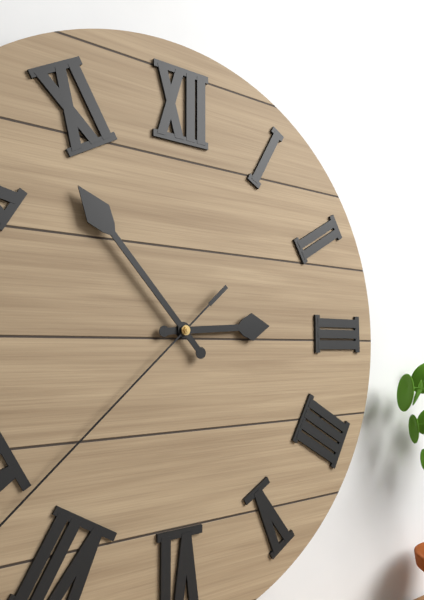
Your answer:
h=2 m=53
